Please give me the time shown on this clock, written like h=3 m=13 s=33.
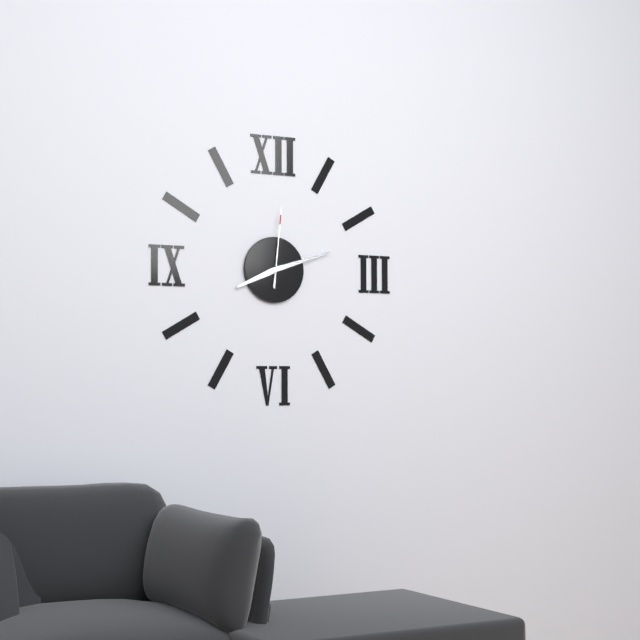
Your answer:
h=8 m=12 s=1
